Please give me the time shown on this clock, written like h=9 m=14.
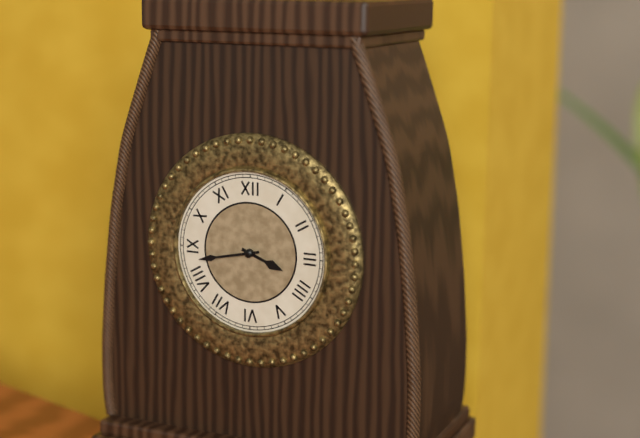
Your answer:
h=3 m=43
